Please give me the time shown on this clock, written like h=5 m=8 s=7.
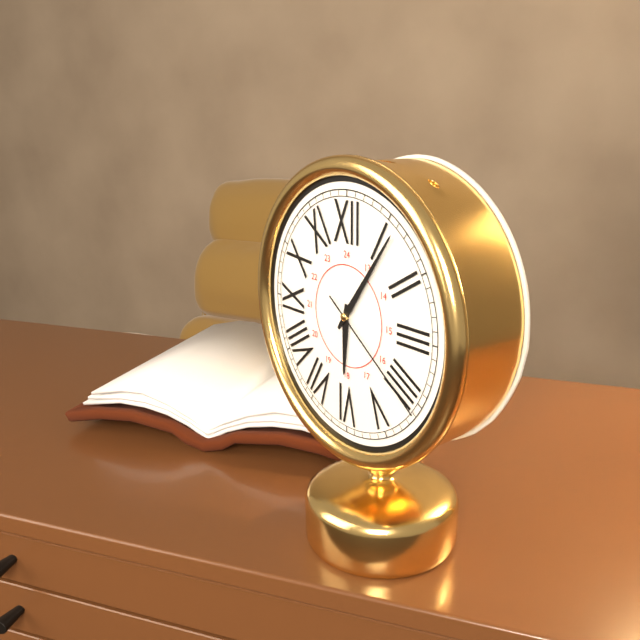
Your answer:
h=6 m=6 s=21
